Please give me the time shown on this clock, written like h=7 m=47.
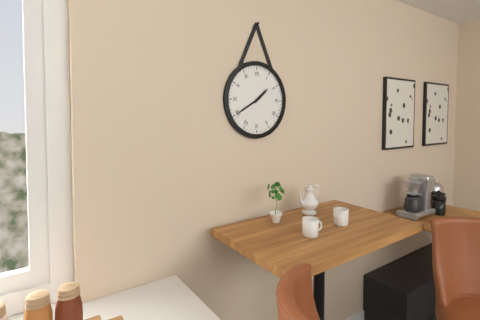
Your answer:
h=1 m=40
